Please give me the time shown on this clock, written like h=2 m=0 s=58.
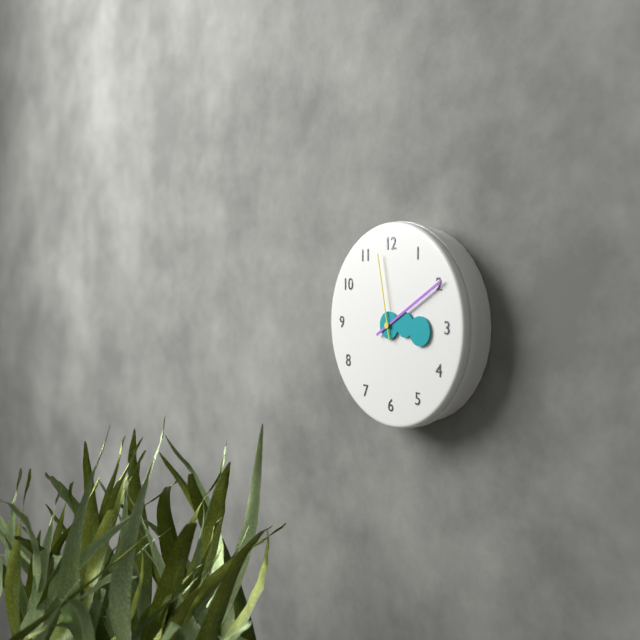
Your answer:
h=3 m=10 s=58
